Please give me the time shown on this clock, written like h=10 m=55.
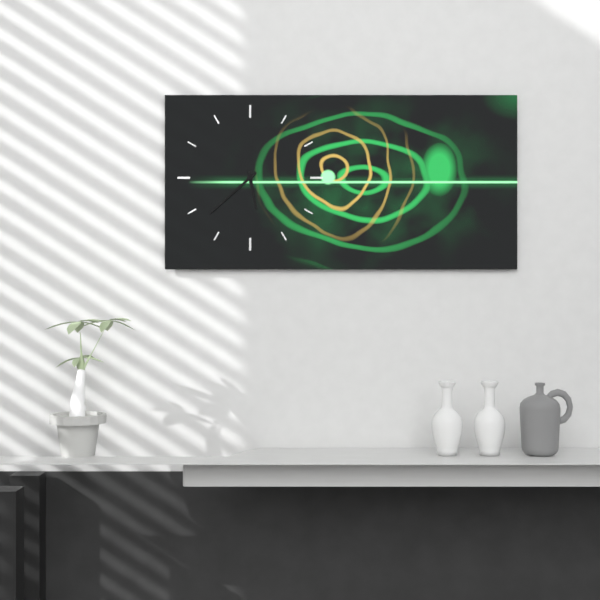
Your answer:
h=5 m=38
